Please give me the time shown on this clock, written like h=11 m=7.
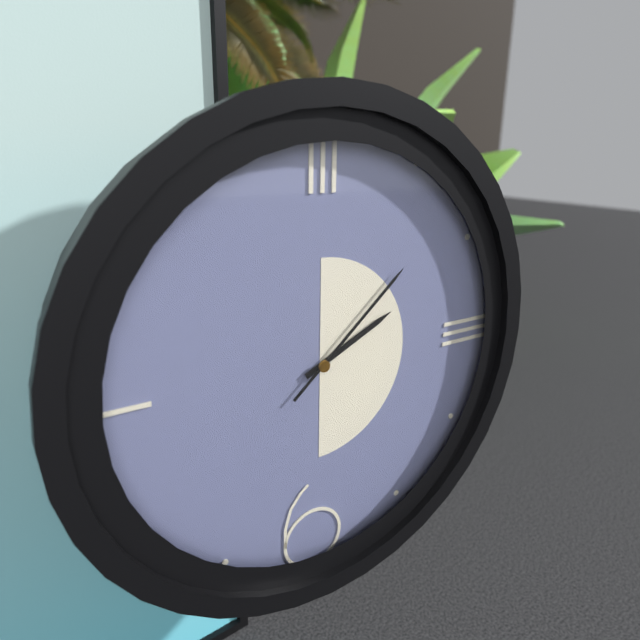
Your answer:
h=2 m=8
